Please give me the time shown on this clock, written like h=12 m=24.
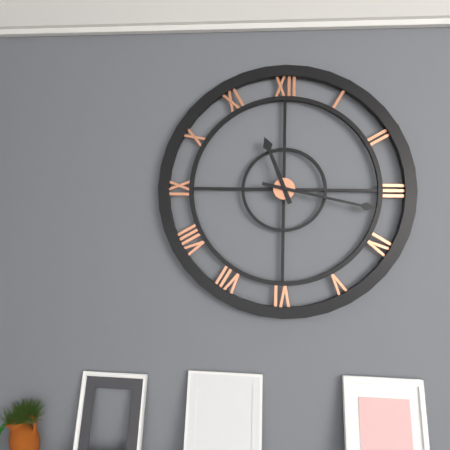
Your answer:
h=11 m=17
